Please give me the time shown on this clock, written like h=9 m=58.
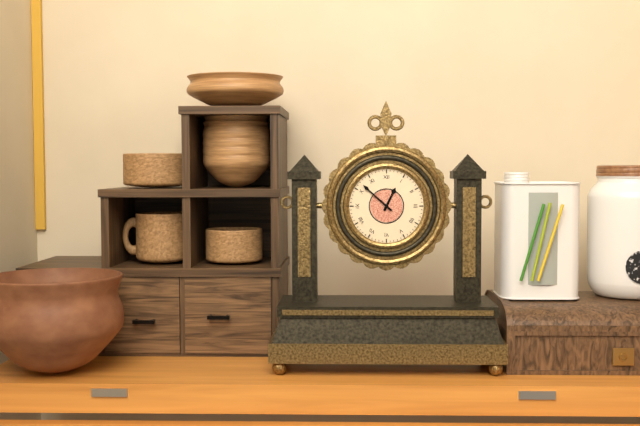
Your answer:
h=12 m=52
